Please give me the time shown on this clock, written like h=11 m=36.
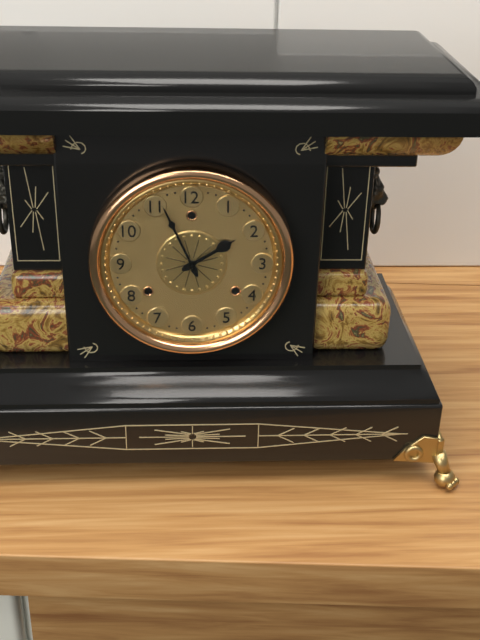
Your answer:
h=1 m=56
